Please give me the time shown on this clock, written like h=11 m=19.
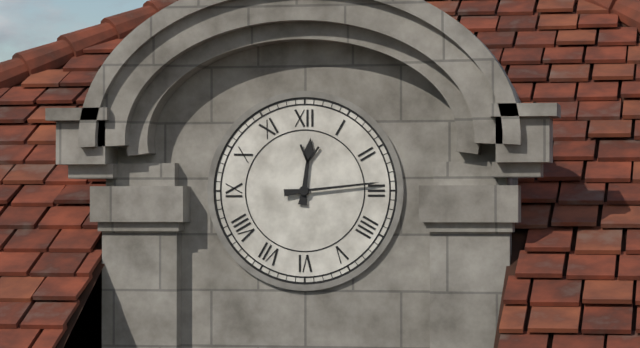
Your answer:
h=12 m=14
